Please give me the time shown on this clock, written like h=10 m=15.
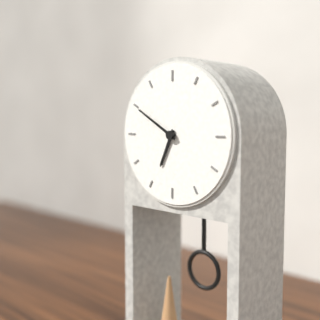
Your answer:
h=6 m=50
